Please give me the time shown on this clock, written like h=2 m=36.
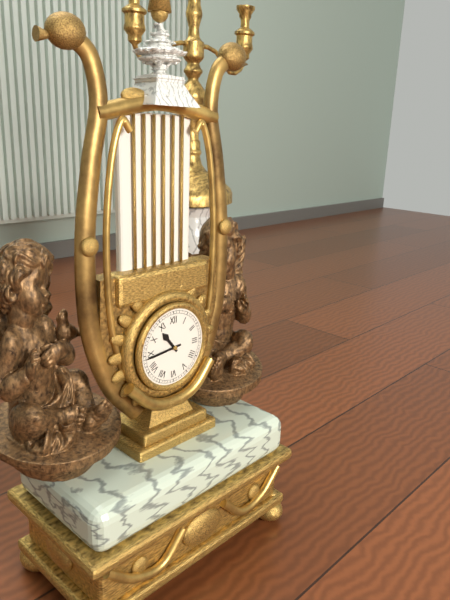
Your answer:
h=10 m=44
